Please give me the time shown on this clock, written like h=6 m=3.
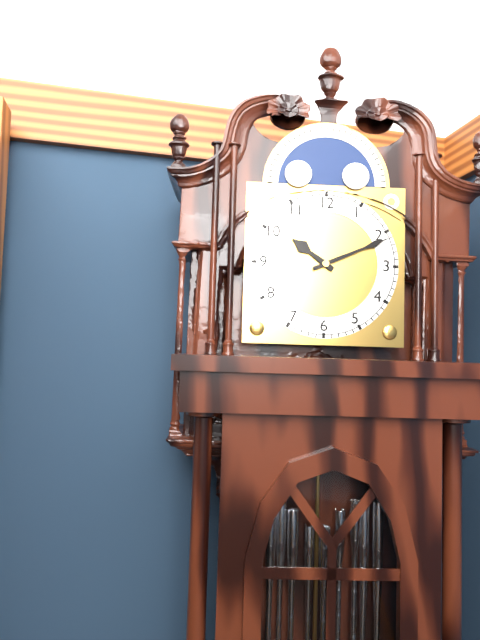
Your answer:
h=10 m=11
